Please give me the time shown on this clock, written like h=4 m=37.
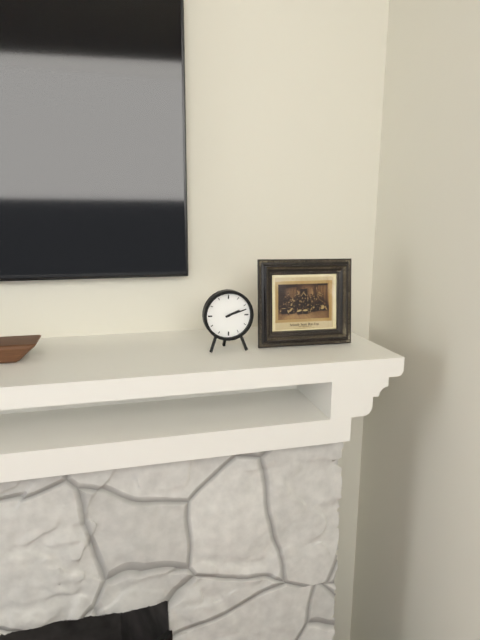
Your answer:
h=2 m=12
